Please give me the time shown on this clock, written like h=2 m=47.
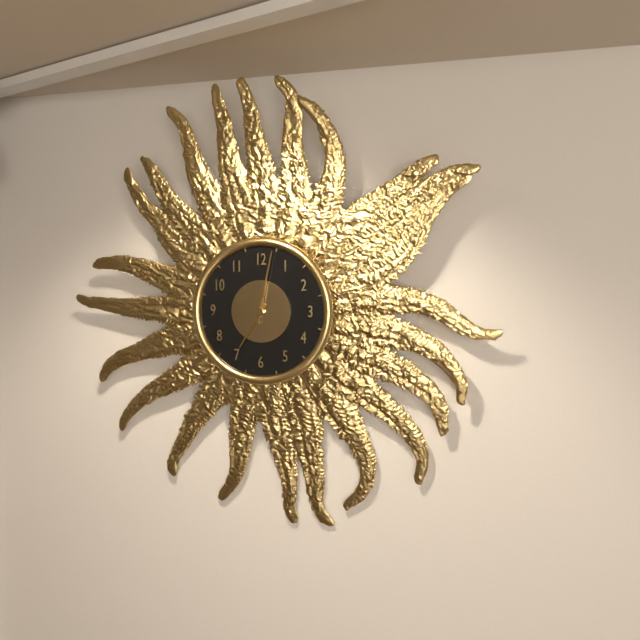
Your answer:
h=7 m=2
